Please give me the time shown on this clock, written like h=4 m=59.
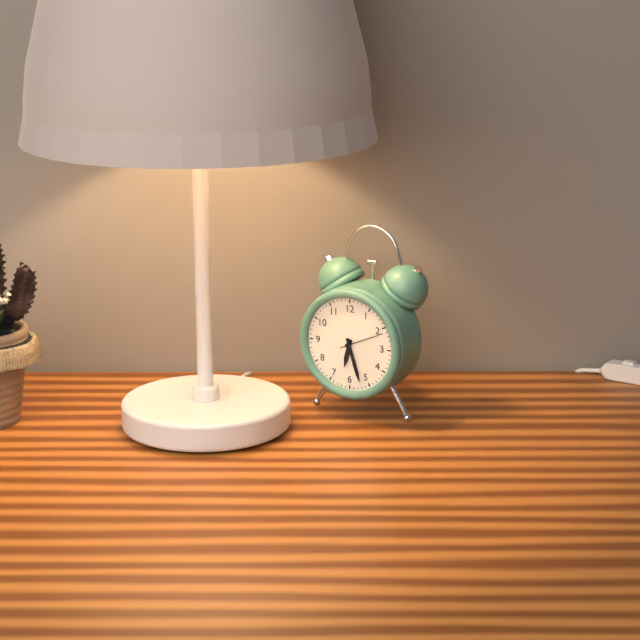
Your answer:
h=6 m=27
